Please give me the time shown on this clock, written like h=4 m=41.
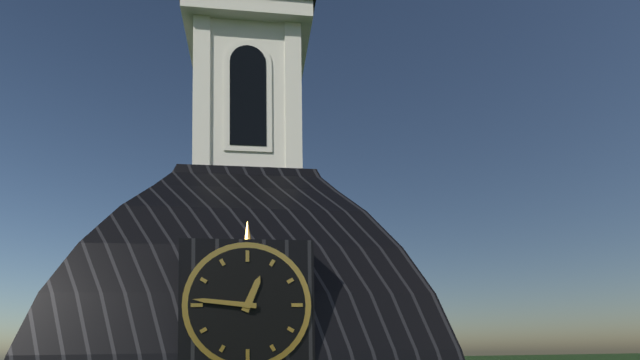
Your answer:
h=12 m=46
